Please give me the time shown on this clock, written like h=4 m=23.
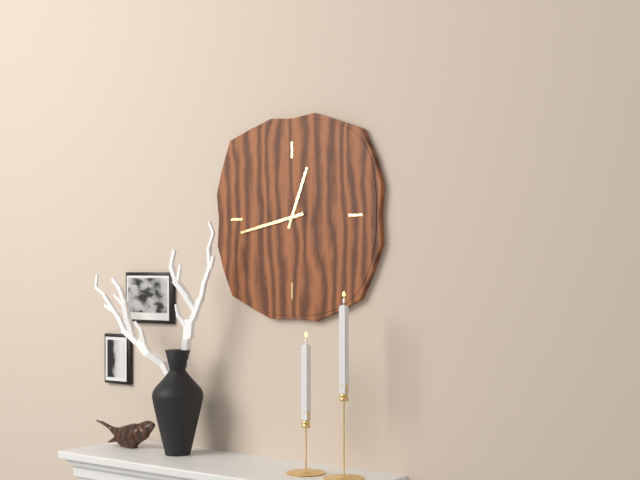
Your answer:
h=12 m=43
